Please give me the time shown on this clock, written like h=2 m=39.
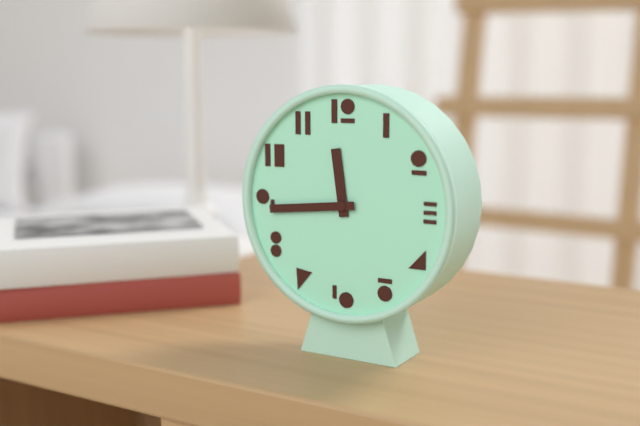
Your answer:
h=11 m=44
